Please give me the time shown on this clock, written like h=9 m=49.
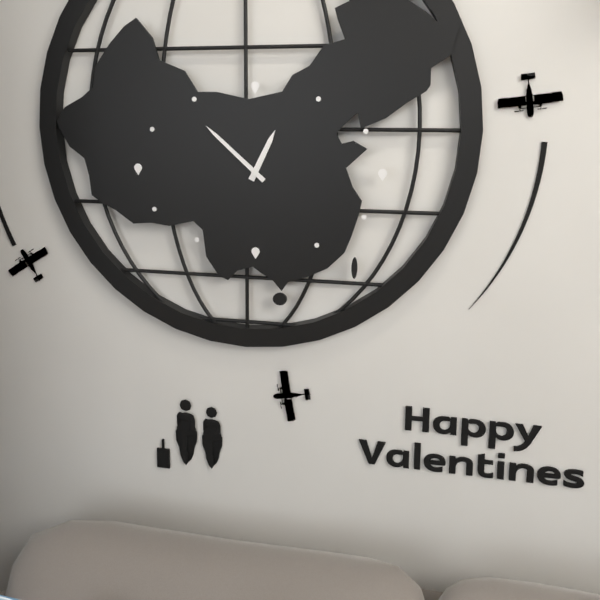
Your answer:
h=12 m=52
